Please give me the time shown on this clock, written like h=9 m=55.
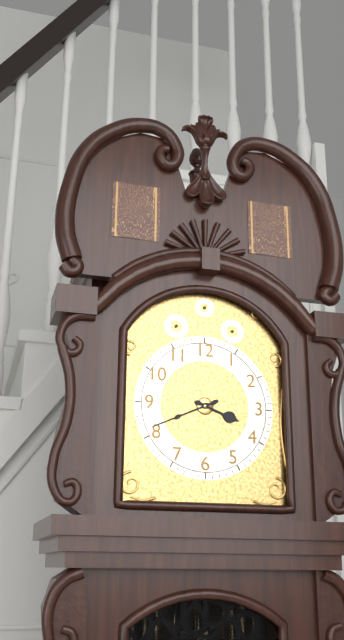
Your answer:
h=3 m=41
